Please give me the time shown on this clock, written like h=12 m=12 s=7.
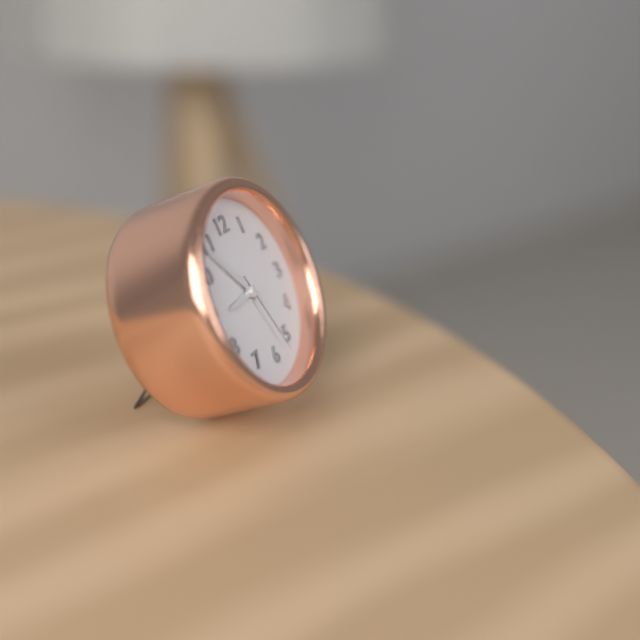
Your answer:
h=8 m=54 s=27
